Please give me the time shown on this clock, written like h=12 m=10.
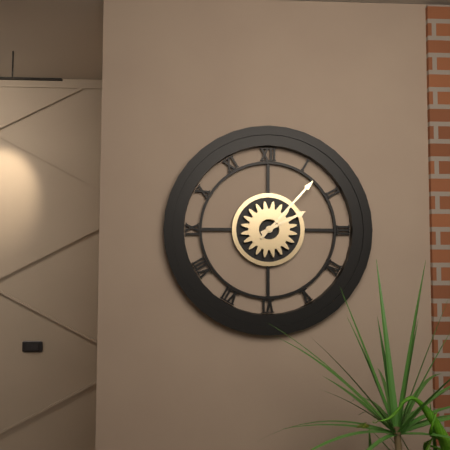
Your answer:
h=2 m=7
